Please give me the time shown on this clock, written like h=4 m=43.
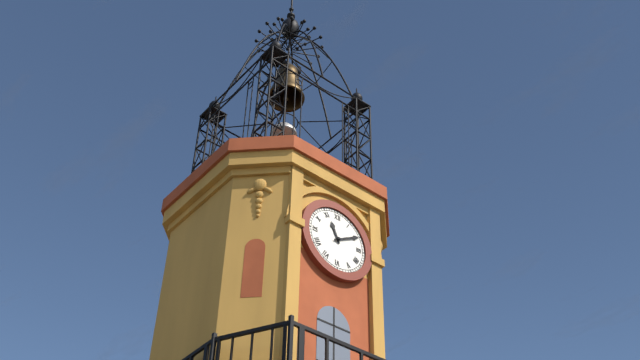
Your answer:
h=11 m=10
